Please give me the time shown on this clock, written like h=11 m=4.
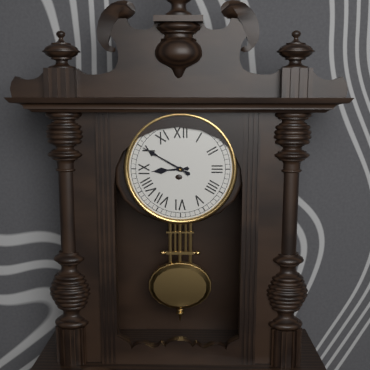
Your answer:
h=8 m=50
